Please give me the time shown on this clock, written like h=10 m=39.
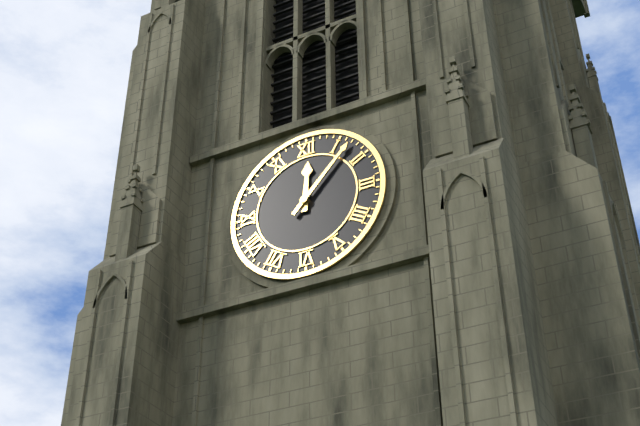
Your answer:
h=12 m=7
